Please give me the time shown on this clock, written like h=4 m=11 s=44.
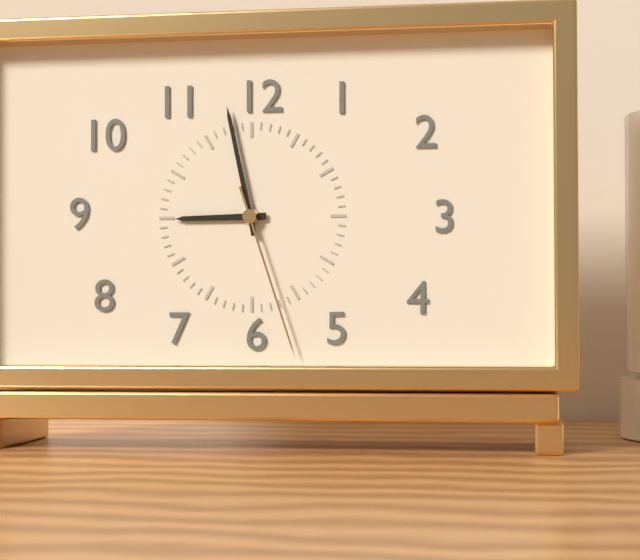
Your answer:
h=8 m=58 s=27
